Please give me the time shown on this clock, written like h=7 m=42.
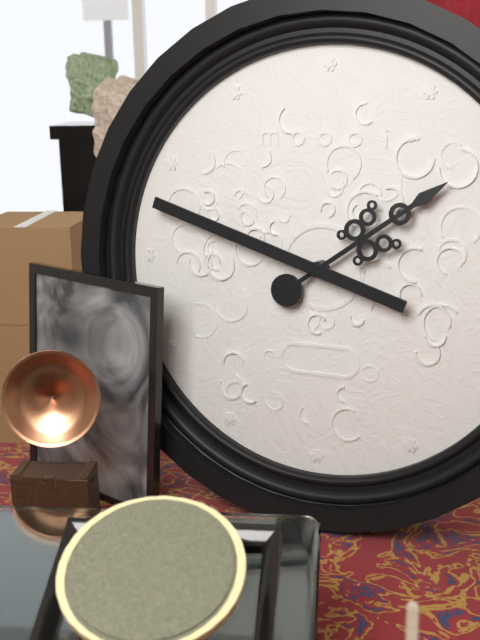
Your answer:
h=1 m=48
